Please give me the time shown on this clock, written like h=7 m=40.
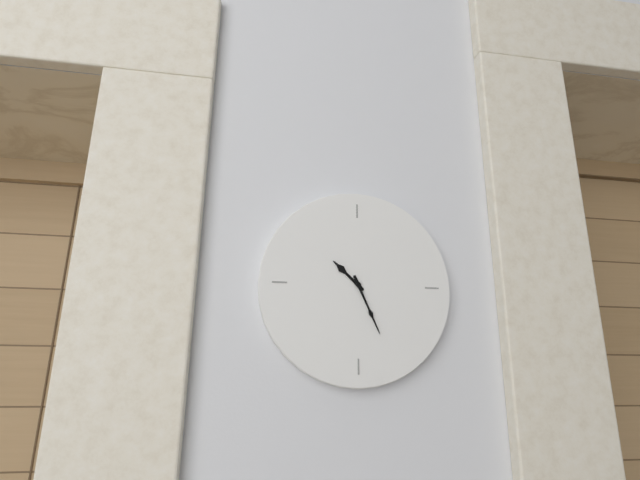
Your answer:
h=10 m=26
